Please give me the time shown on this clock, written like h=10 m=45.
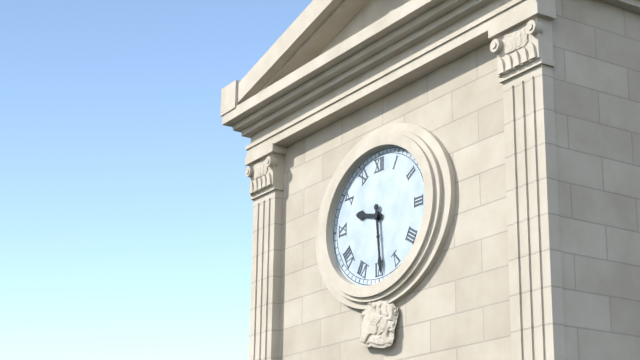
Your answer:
h=9 m=29
